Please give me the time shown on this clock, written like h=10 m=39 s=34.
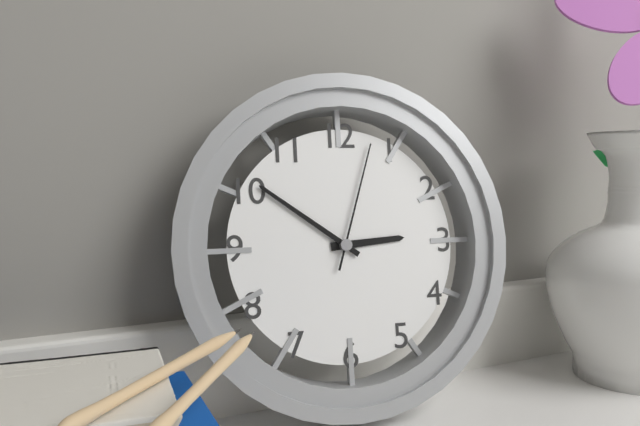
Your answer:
h=2 m=51 s=3
